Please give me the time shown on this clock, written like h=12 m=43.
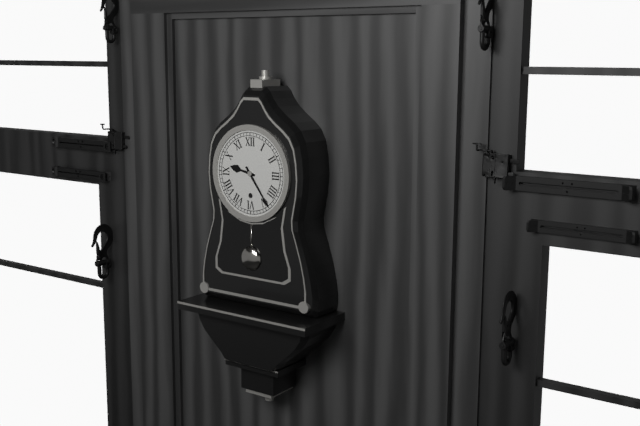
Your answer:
h=9 m=24
